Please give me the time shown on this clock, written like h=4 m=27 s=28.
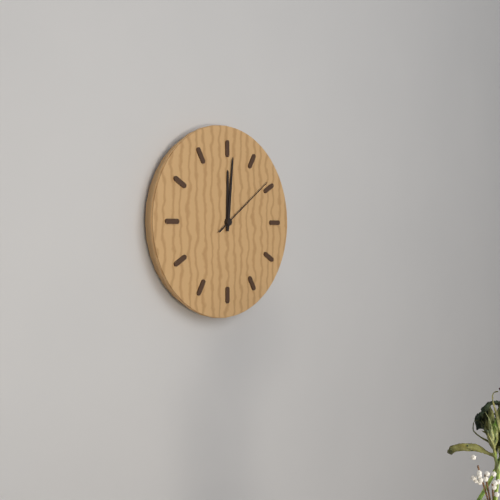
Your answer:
h=12 m=1 s=9
